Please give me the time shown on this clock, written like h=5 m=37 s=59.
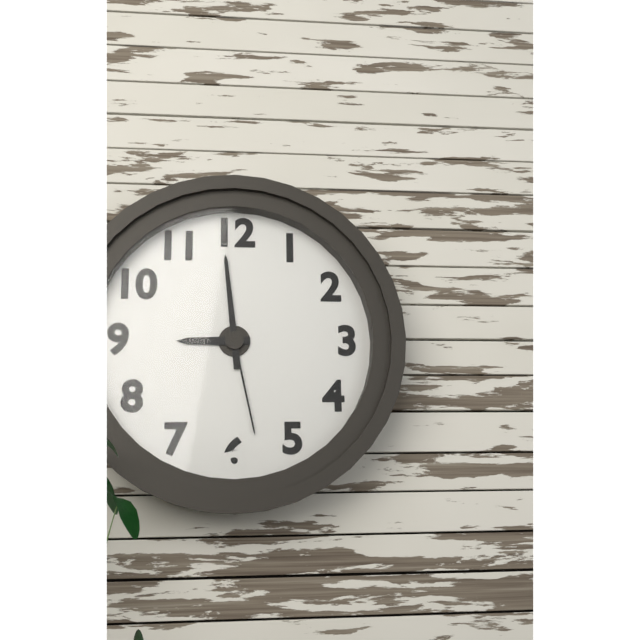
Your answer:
h=8 m=59 s=28
